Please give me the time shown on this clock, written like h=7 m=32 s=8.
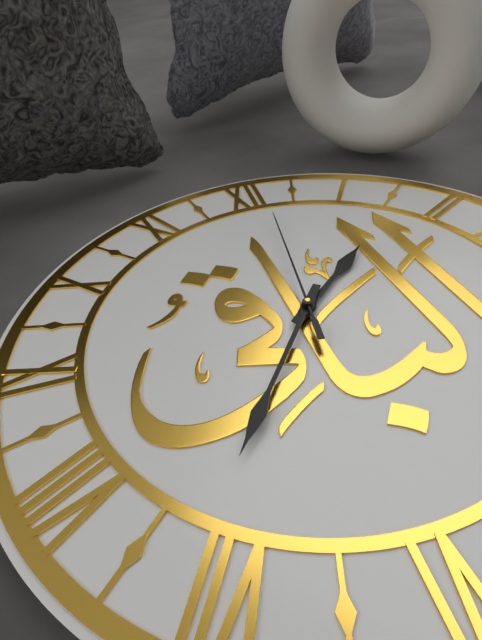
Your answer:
h=1 m=36 s=1
